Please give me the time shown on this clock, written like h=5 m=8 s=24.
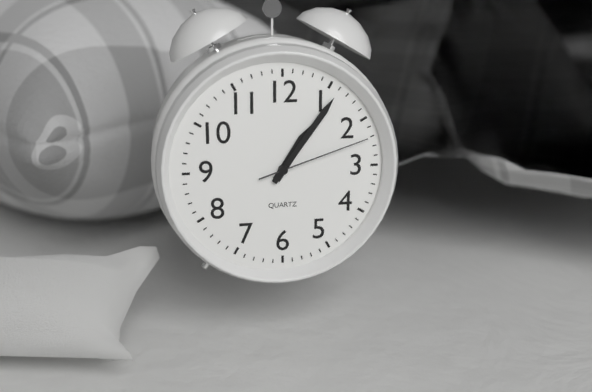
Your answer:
h=1 m=6 s=12
